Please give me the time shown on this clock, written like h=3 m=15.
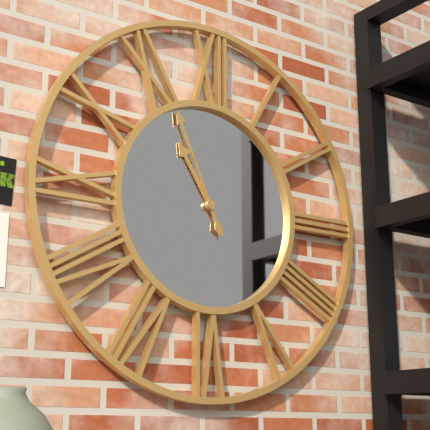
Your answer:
h=10 m=56
